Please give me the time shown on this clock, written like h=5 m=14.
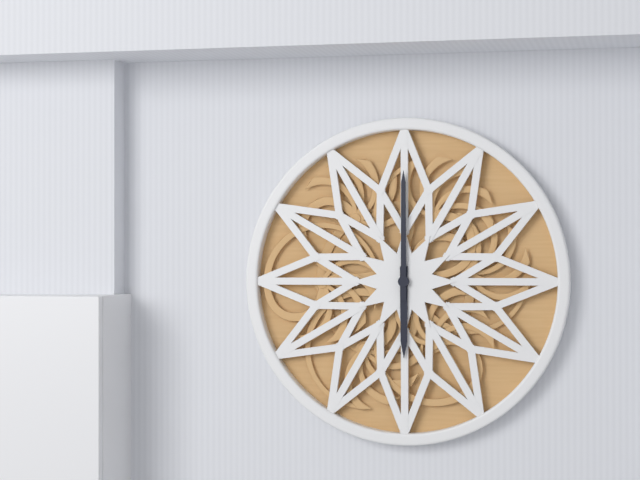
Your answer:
h=6 m=0
